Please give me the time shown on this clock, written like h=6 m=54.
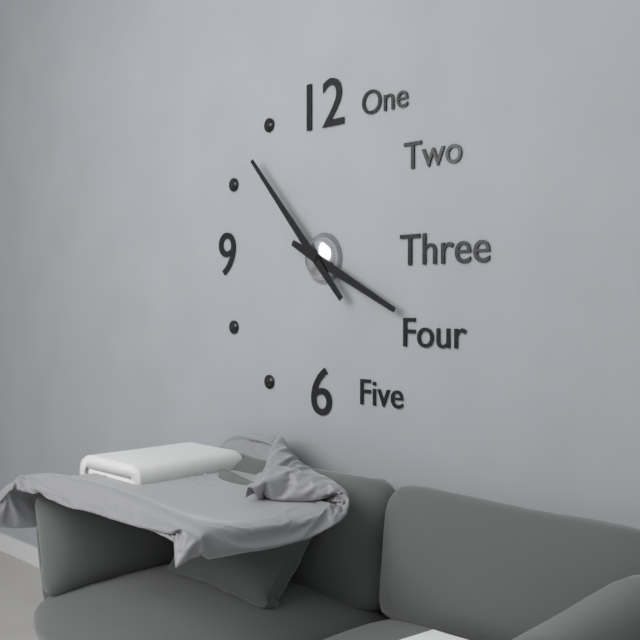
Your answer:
h=3 m=53
